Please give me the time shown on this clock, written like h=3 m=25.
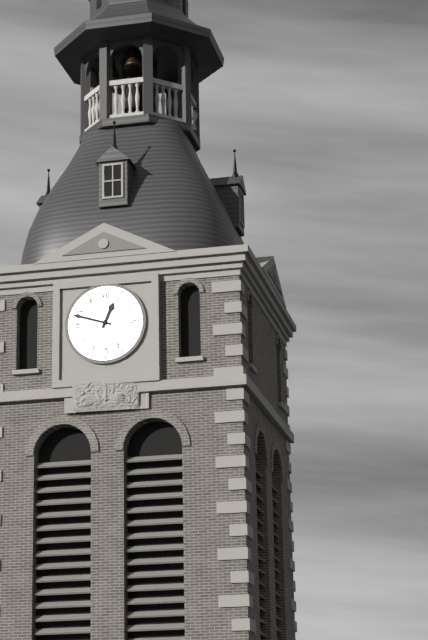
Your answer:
h=12 m=48
